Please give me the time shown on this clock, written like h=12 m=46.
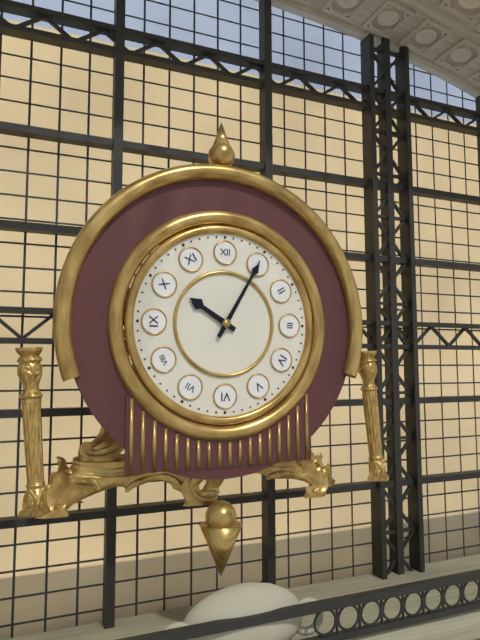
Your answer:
h=10 m=5
